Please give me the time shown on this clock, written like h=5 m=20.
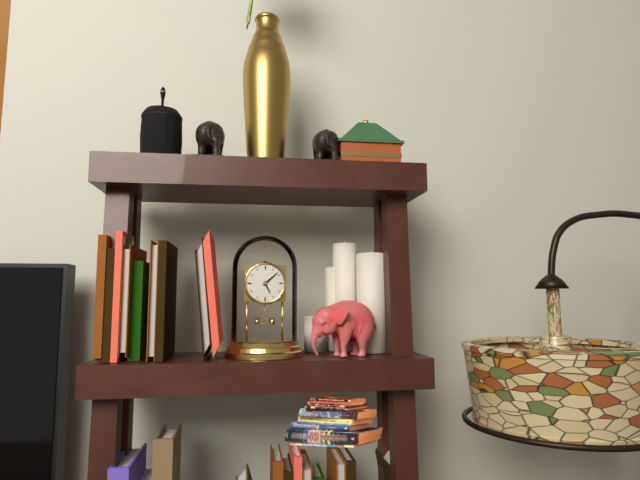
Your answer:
h=5 m=8
